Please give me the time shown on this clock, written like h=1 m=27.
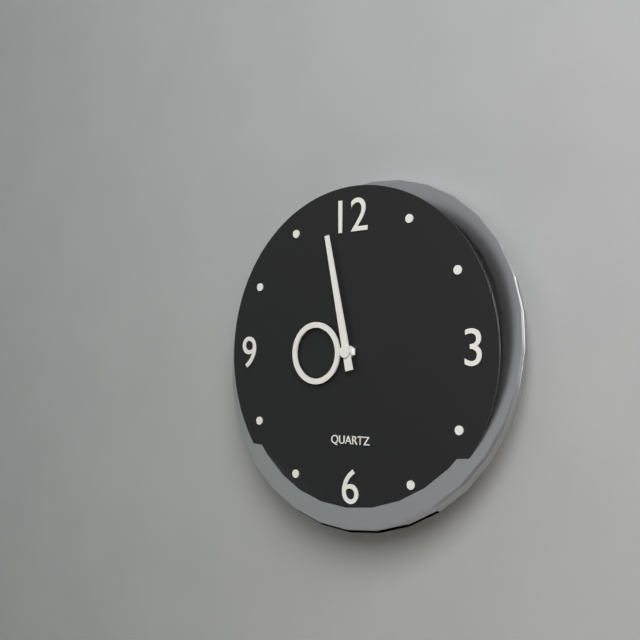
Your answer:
h=8 m=58
